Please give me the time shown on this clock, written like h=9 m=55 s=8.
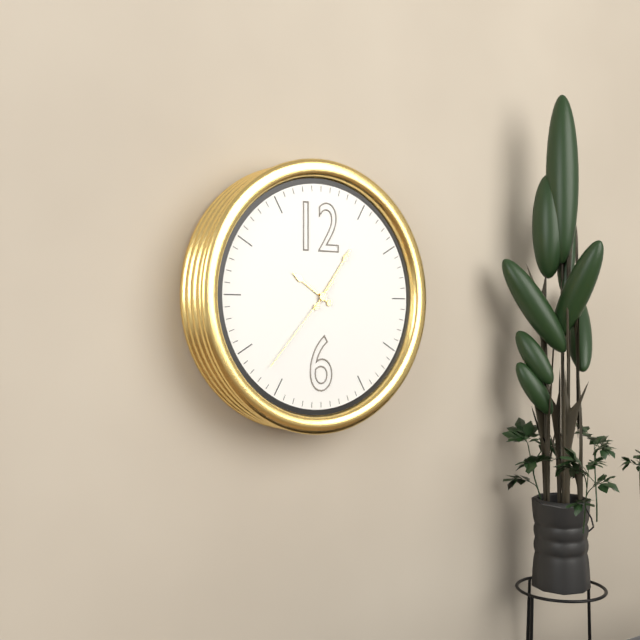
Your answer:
h=10 m=6 s=37
